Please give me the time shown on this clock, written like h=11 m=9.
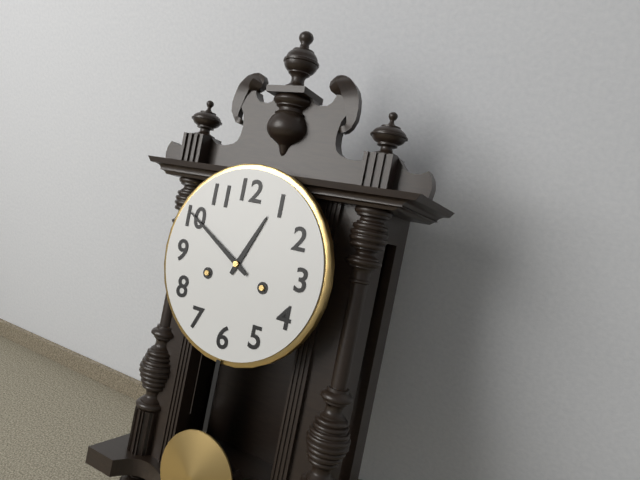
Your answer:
h=12 m=50
